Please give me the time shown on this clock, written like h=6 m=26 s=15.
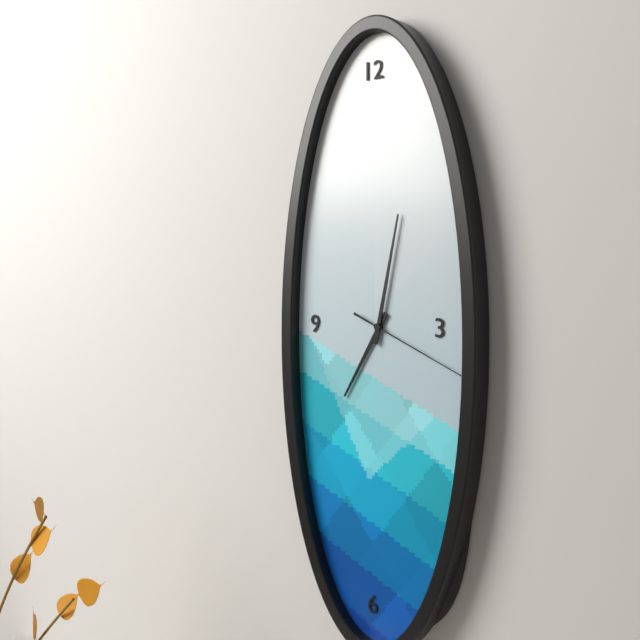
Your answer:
h=7 m=2 s=19
